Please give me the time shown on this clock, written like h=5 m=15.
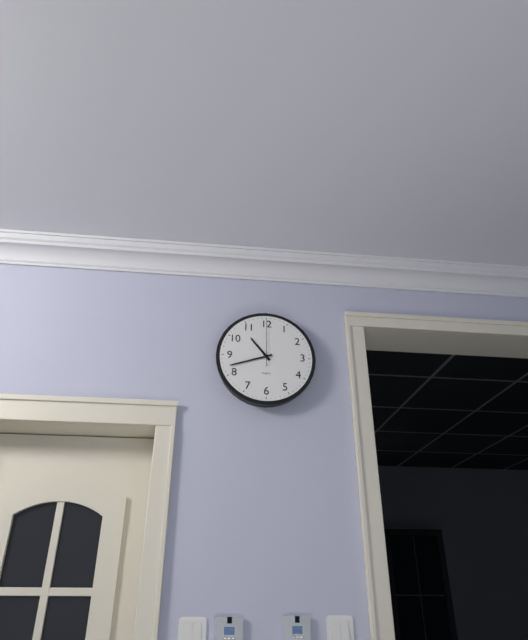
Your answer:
h=10 m=42
